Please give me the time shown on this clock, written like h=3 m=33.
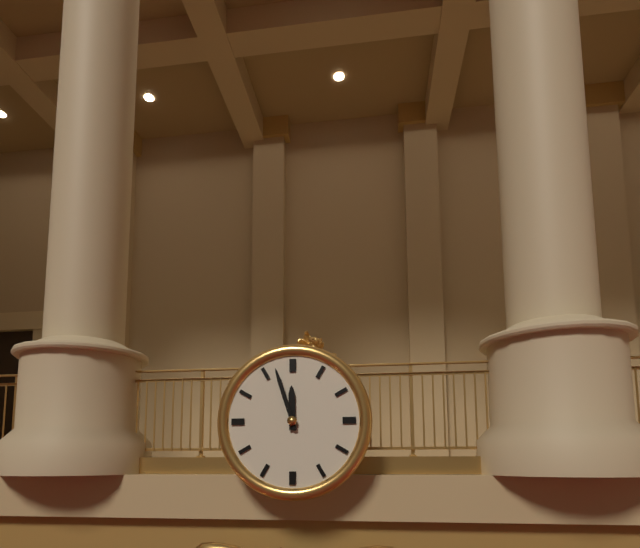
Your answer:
h=11 m=57
